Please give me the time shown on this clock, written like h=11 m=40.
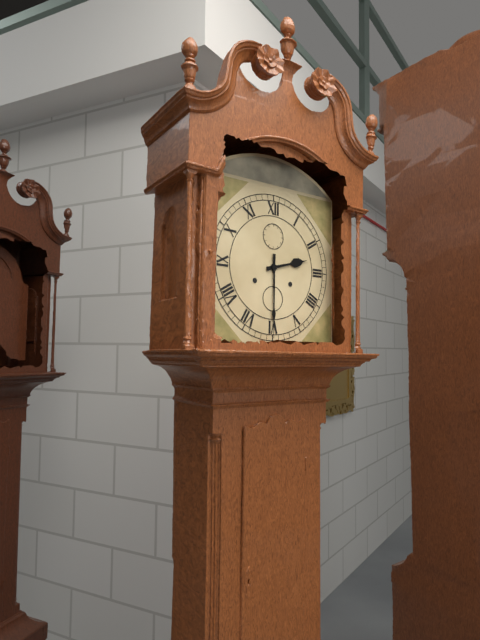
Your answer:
h=2 m=30
